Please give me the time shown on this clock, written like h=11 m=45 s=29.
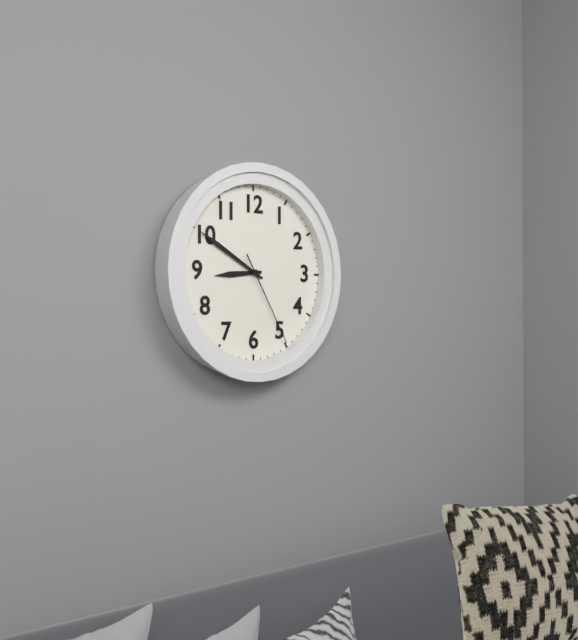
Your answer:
h=8 m=50 s=25
